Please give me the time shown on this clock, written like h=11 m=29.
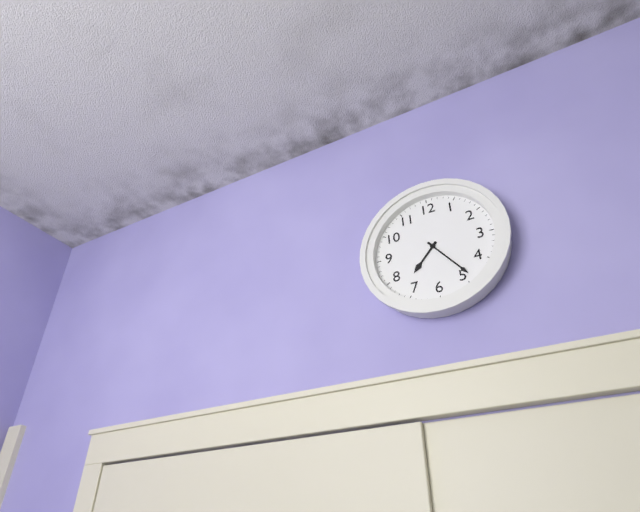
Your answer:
h=7 m=24
